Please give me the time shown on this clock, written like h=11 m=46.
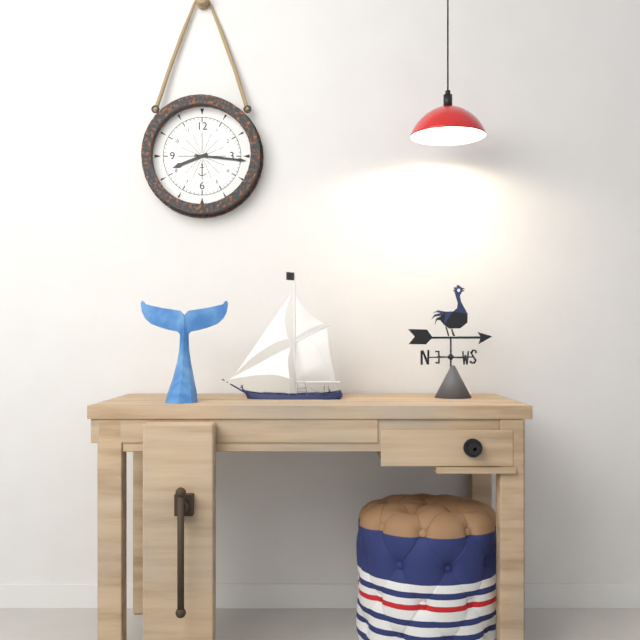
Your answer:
h=8 m=16
